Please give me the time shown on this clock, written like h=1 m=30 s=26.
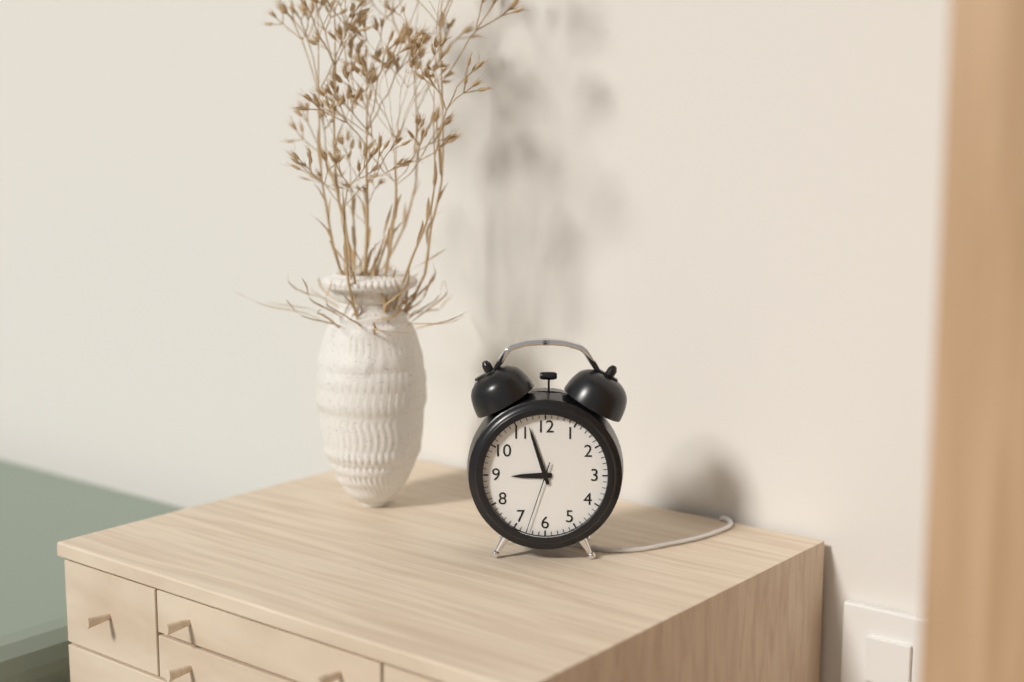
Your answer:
h=8 m=57 s=33
